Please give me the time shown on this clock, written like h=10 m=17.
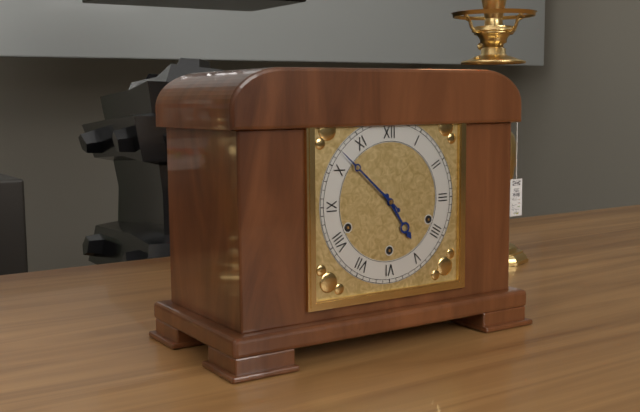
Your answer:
h=4 m=52
